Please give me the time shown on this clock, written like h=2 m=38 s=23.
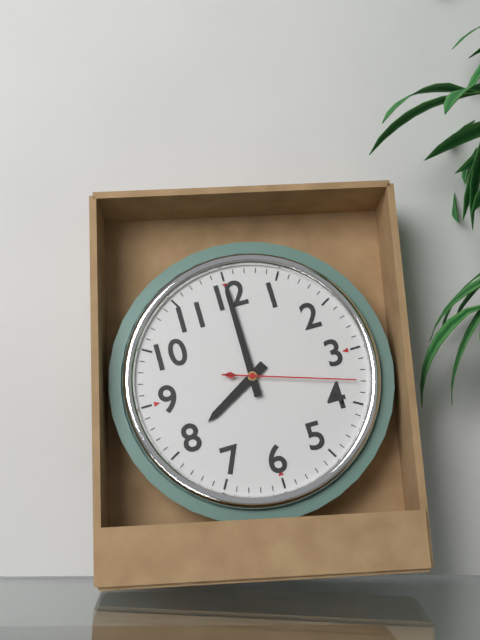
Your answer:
h=8 m=0 s=18
